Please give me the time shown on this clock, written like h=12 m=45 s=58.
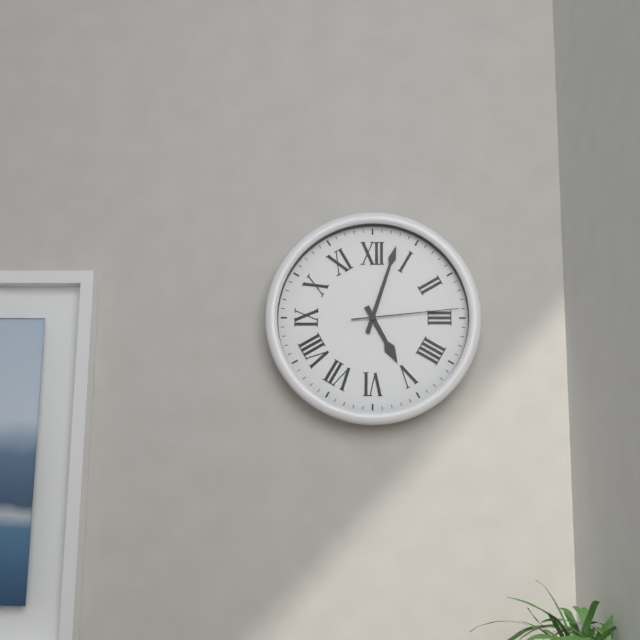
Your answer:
h=5 m=3 s=14
